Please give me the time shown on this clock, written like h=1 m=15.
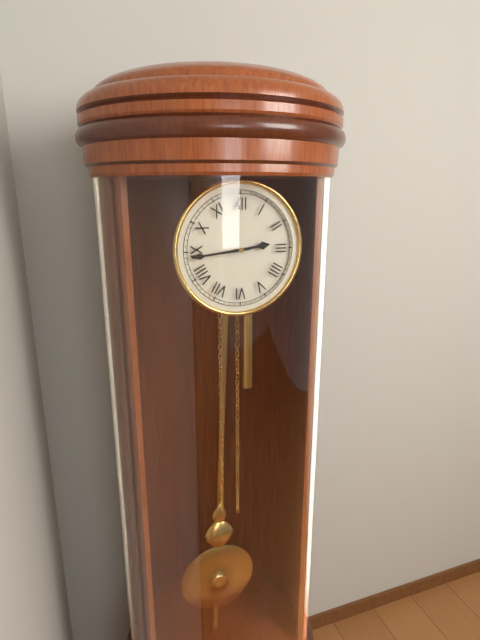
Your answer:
h=2 m=44
